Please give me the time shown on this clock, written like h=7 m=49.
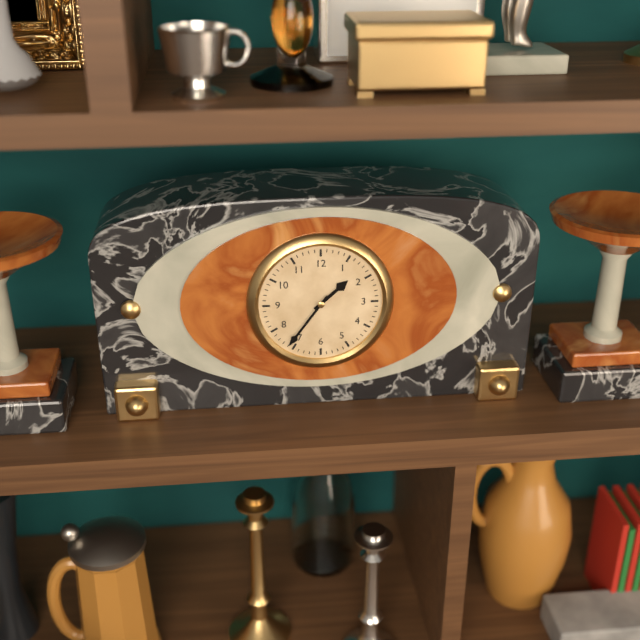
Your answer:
h=1 m=36
